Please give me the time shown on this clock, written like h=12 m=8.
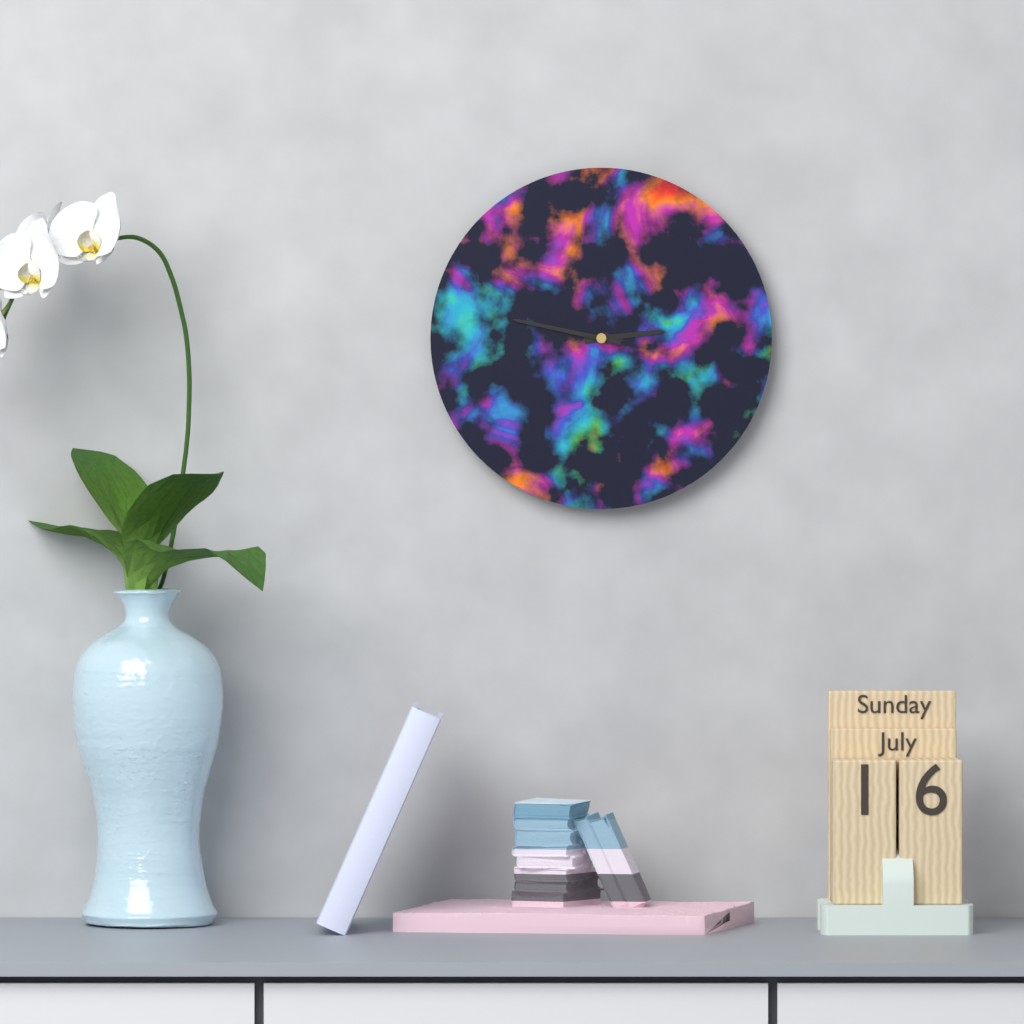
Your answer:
h=2 m=47
